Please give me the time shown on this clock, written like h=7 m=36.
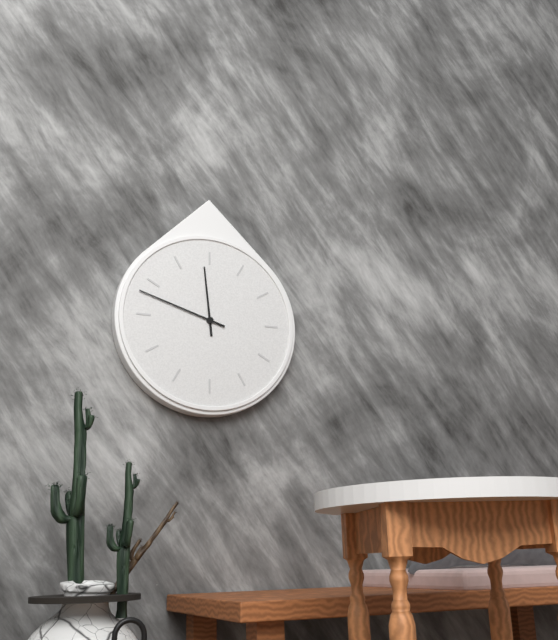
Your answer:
h=11 m=48
